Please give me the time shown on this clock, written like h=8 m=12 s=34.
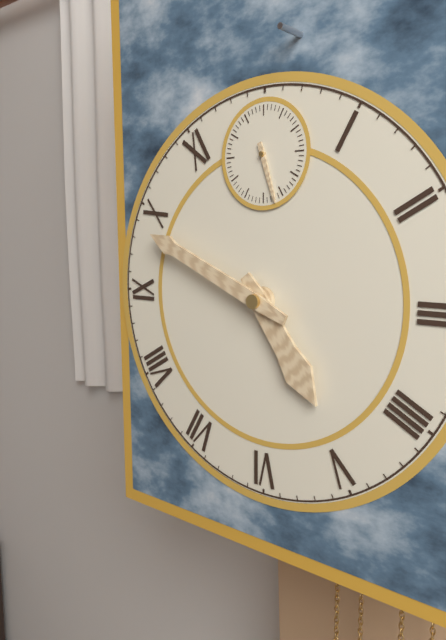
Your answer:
h=4 m=49 s=27
